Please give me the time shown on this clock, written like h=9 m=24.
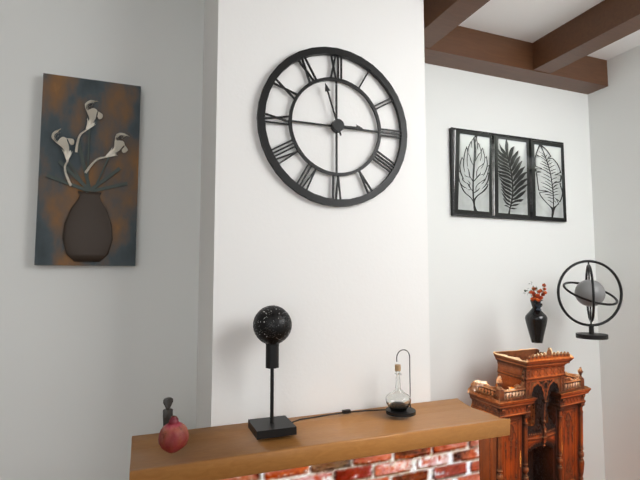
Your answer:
h=2 m=57
